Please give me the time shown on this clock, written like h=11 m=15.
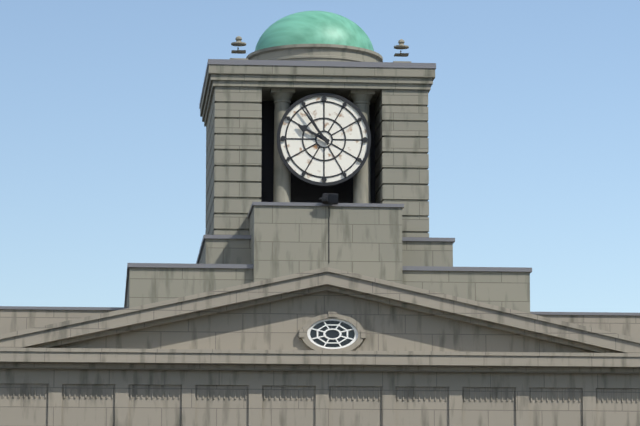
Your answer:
h=9 m=54
